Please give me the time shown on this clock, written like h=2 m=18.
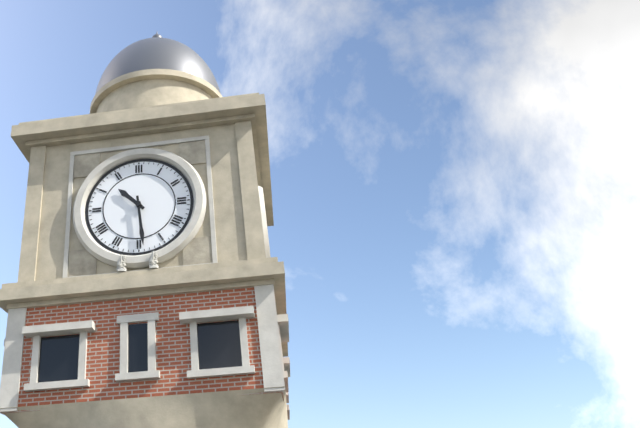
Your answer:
h=10 m=29
